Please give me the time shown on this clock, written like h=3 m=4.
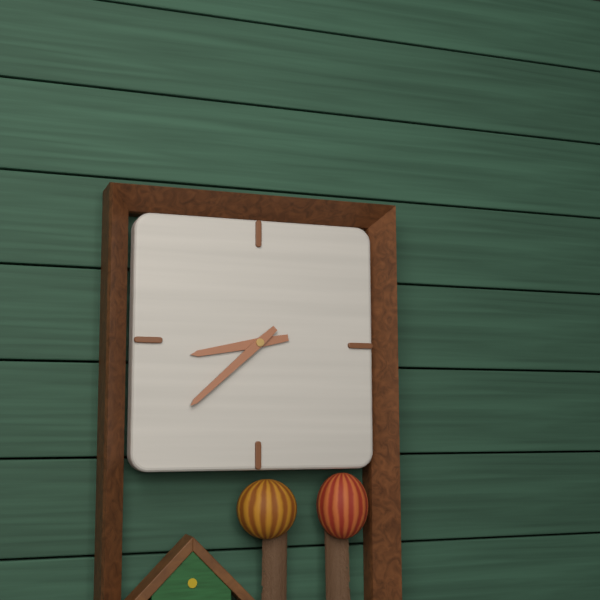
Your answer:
h=8 m=38
